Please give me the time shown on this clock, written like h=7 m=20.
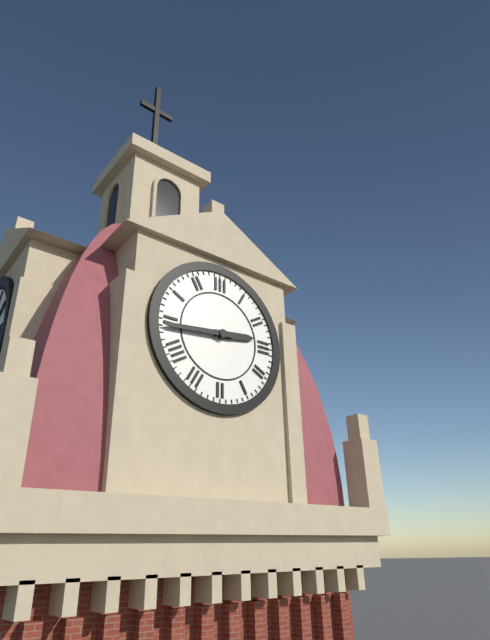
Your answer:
h=2 m=44
